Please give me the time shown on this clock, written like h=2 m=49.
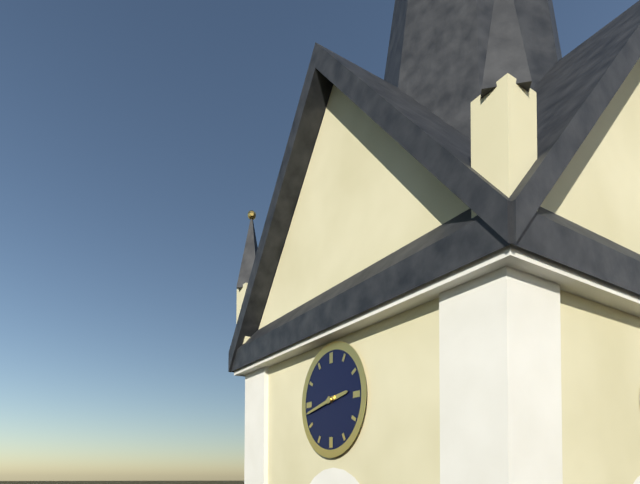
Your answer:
h=2 m=43
